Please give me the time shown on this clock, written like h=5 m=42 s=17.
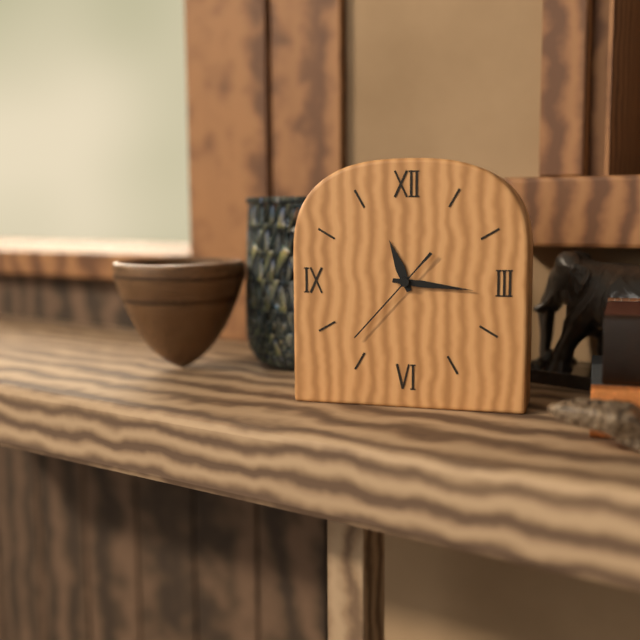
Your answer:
h=11 m=16 s=37
